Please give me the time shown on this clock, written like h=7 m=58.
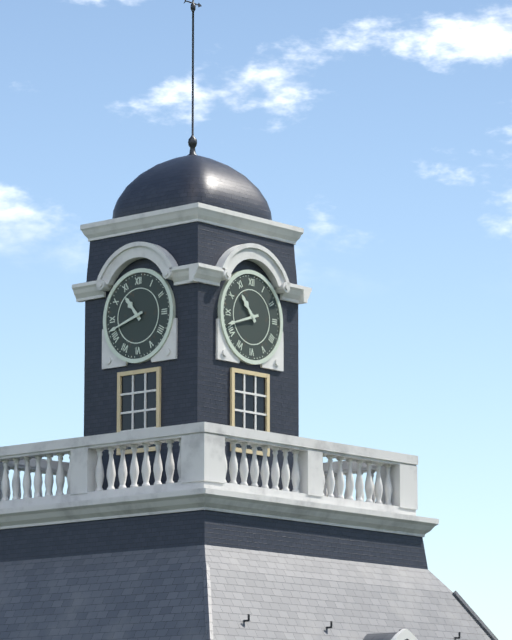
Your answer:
h=10 m=42
